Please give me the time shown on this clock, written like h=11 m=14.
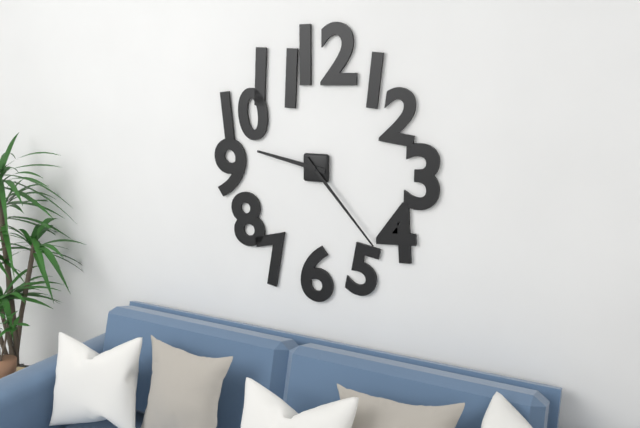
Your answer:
h=9 m=23
